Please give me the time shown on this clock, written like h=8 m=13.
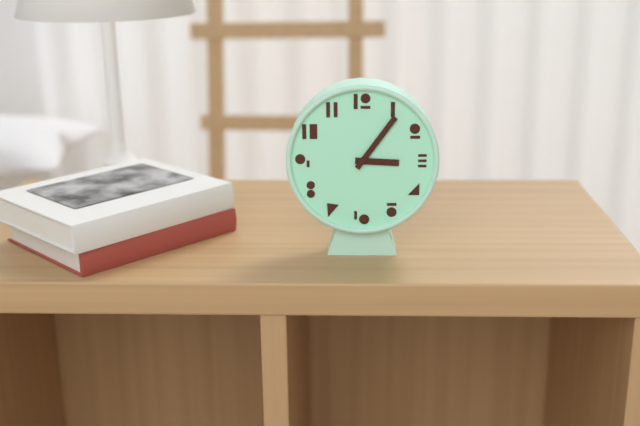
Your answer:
h=3 m=6
